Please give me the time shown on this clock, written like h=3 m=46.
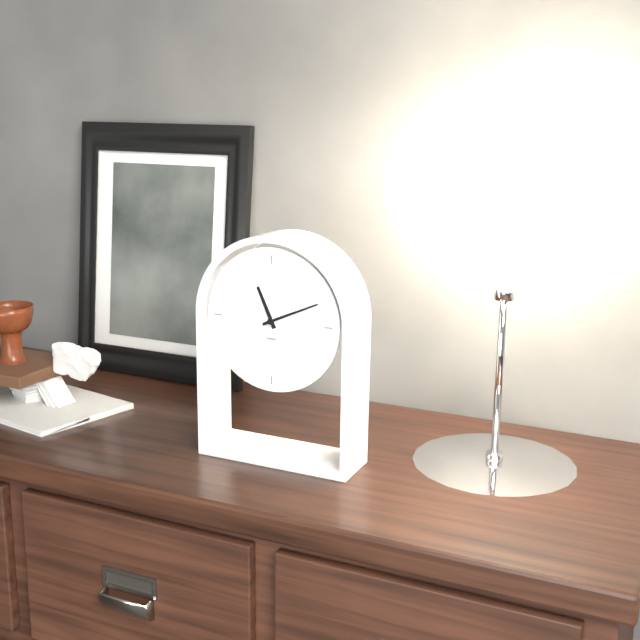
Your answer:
h=11 m=11
